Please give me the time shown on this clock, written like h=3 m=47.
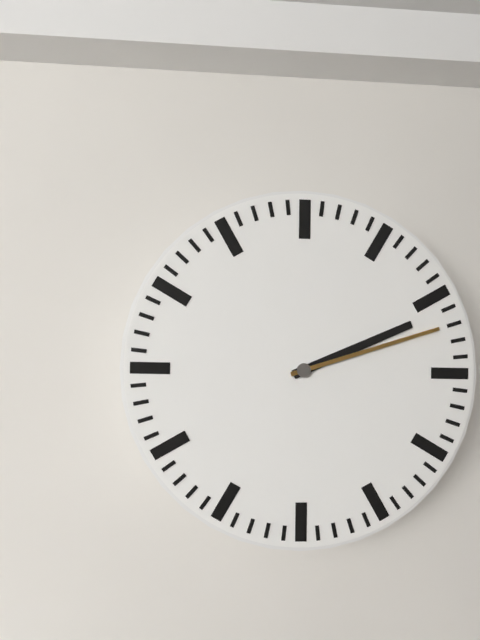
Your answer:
h=2 m=12
